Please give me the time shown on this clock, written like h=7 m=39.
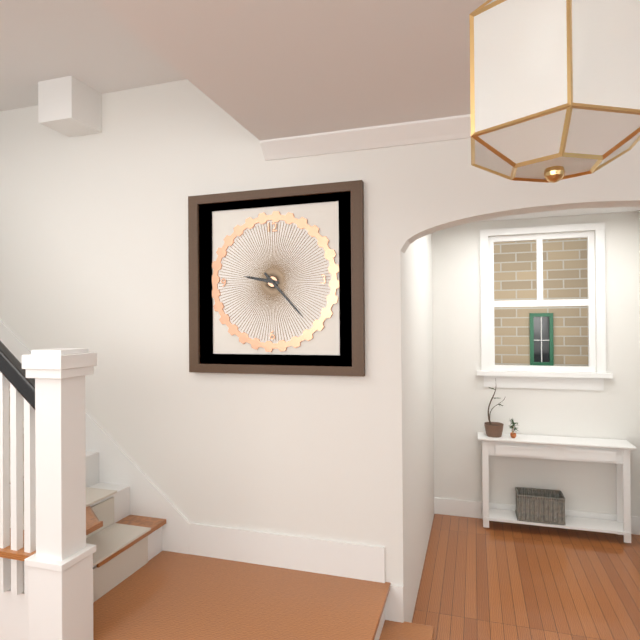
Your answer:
h=9 m=23
